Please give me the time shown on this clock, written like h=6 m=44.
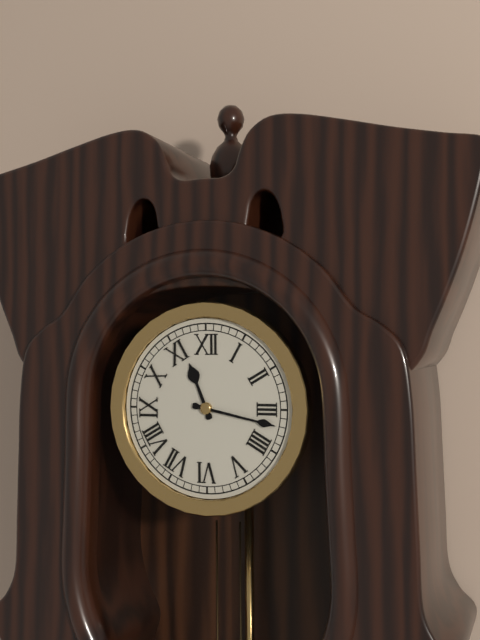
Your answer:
h=11 m=17
